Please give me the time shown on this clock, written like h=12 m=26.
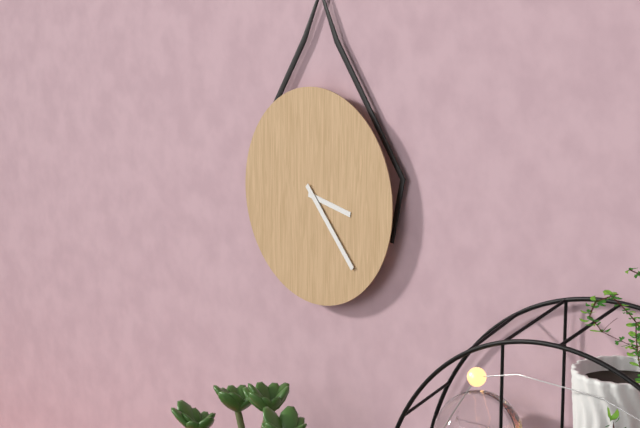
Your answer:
h=3 m=23
